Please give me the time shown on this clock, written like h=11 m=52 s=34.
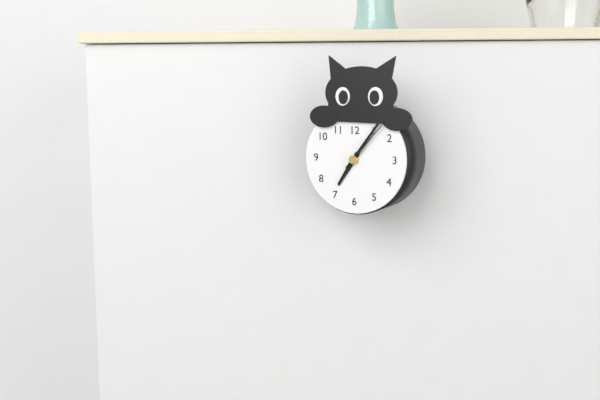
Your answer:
h=7 m=6 s=7
